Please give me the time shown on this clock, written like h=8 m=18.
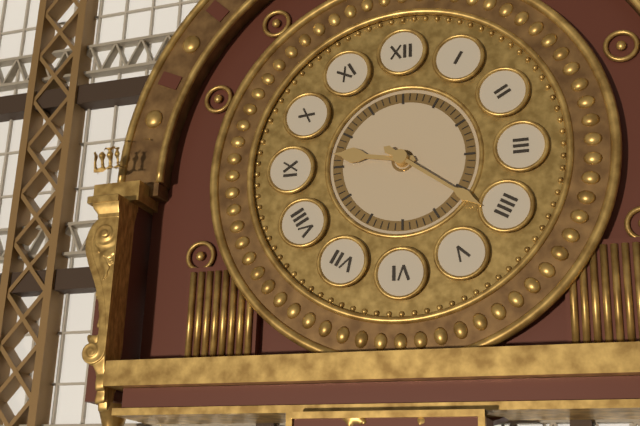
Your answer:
h=9 m=21
